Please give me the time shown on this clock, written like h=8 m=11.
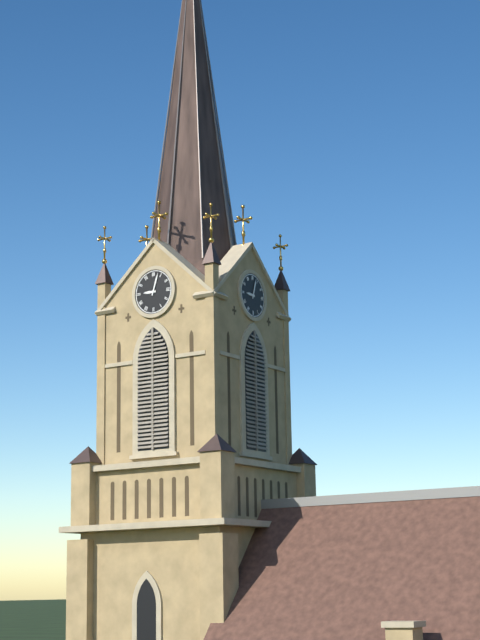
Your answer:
h=9 m=3
